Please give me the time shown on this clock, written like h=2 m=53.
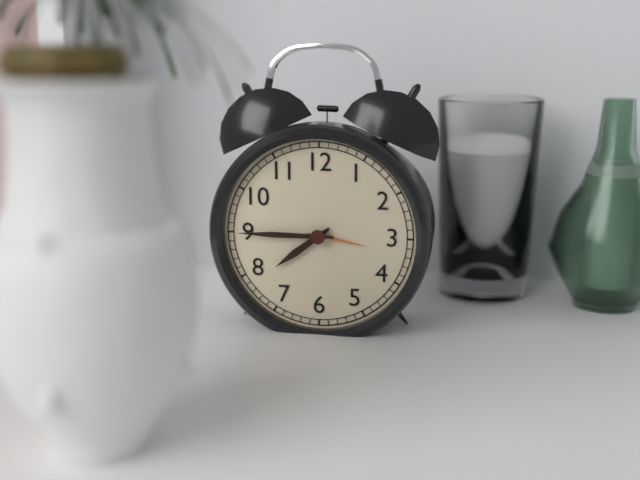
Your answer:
h=7 m=45
